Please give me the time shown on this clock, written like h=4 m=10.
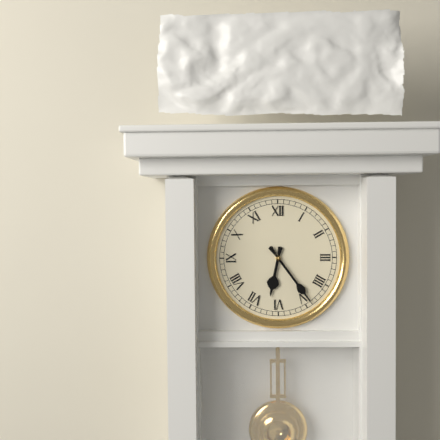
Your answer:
h=6 m=24
